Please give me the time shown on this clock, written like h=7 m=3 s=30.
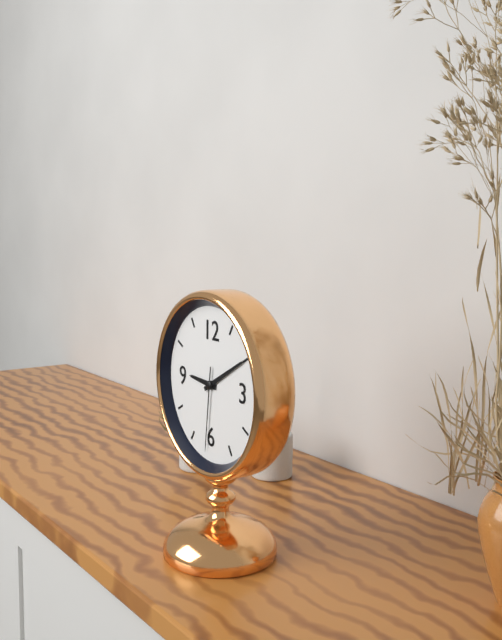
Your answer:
h=9 m=10 s=31
